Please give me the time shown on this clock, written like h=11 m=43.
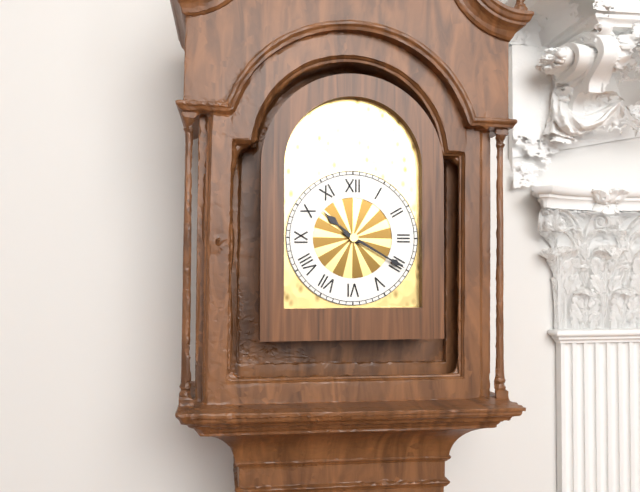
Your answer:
h=10 m=20
